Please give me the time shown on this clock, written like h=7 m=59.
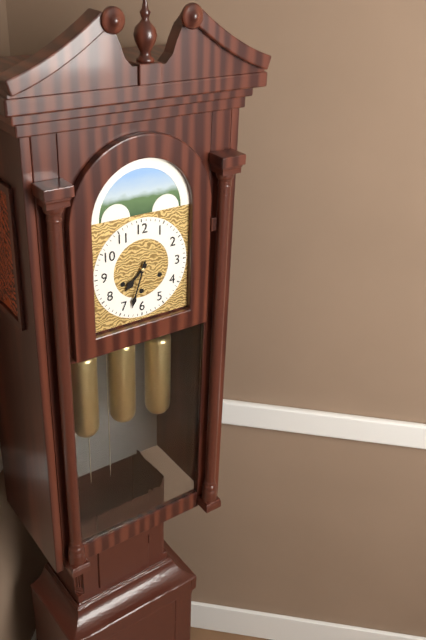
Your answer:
h=7 m=33
